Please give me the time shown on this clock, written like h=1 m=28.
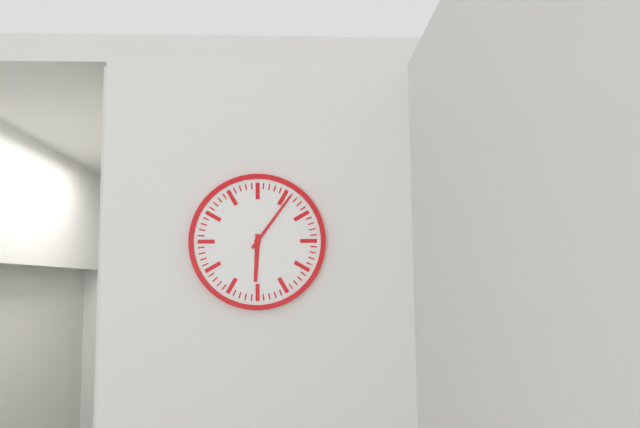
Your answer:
h=6 m=6
